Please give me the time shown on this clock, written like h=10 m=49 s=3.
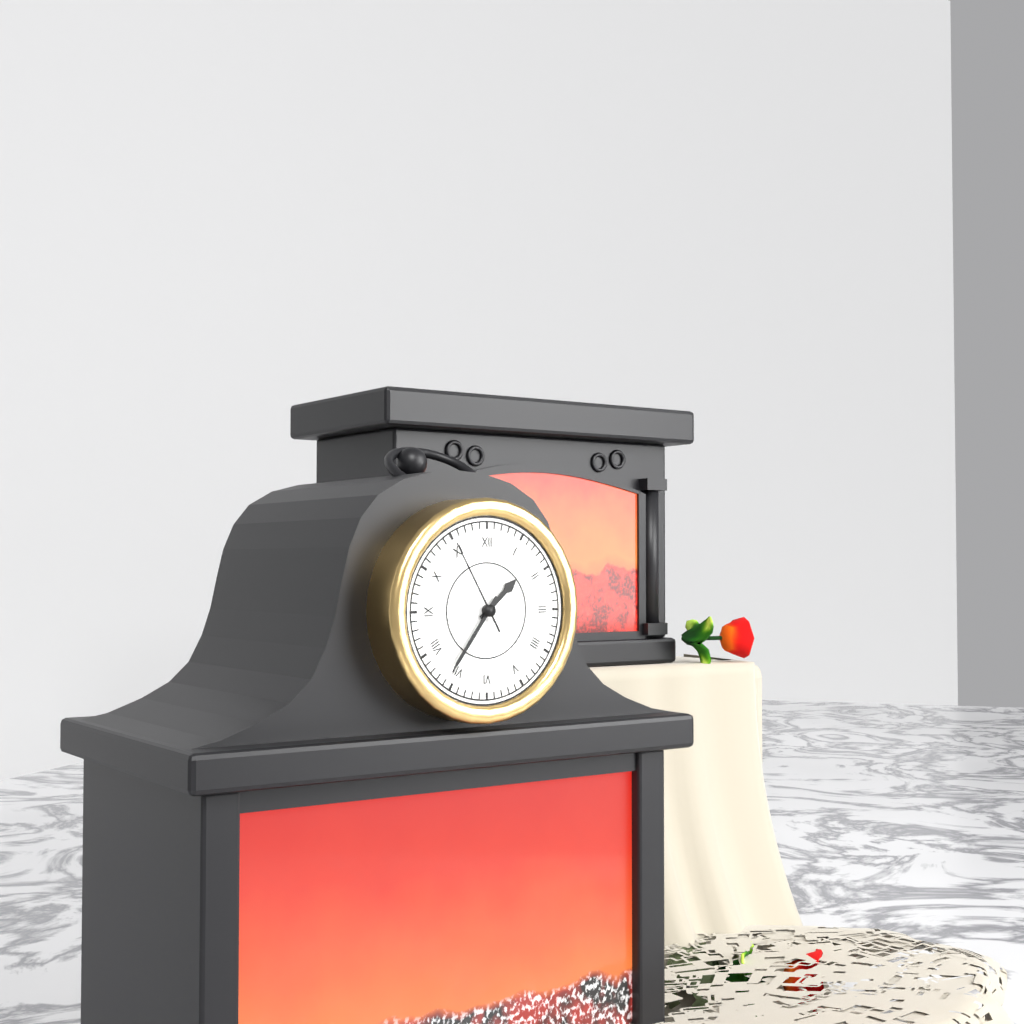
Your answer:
h=1 m=36 s=55
